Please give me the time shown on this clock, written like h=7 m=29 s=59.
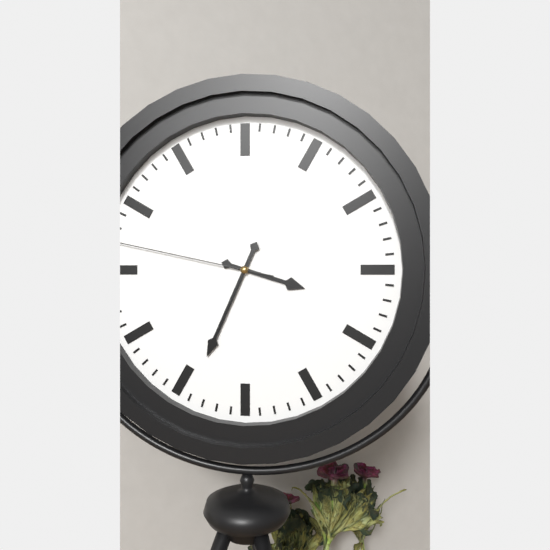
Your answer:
h=3 m=34 s=47
